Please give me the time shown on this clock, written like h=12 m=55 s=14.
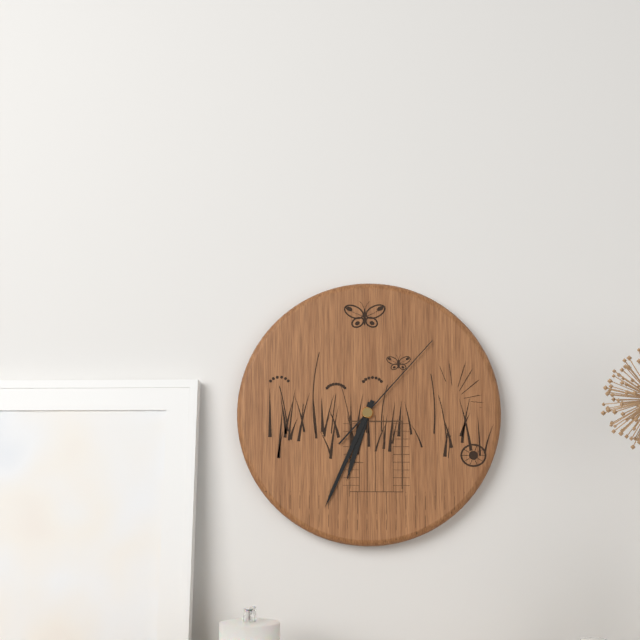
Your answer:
h=6 m=34 s=7
